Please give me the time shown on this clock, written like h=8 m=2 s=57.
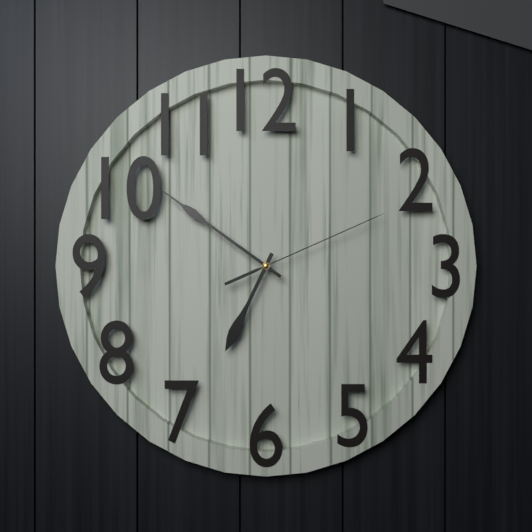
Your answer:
h=6 m=51 s=11
